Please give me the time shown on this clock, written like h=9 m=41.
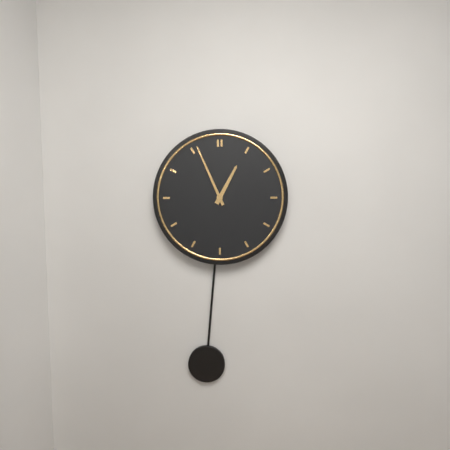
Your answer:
h=12 m=56
